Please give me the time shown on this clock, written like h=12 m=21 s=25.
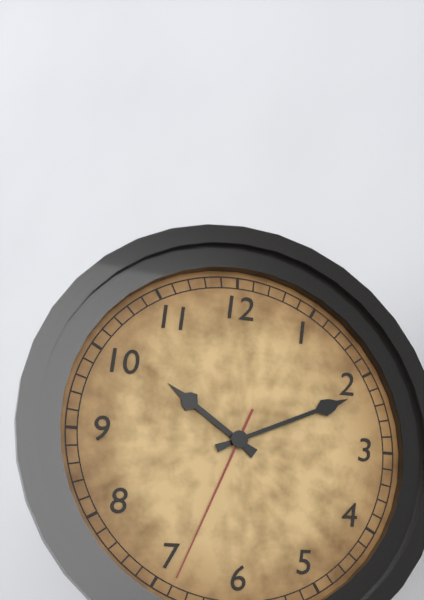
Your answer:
h=10 m=11 s=34
